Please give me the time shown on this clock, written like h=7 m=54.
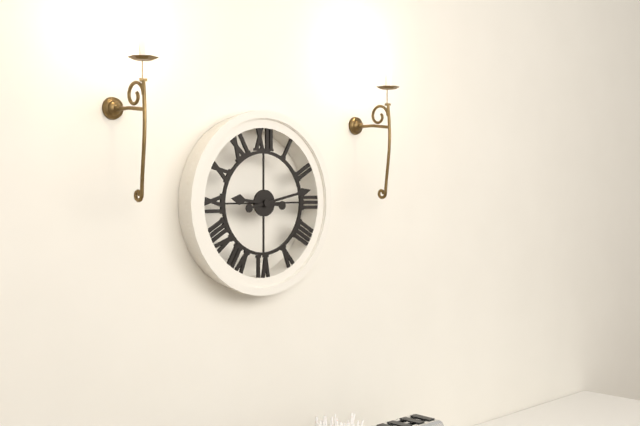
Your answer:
h=9 m=13
